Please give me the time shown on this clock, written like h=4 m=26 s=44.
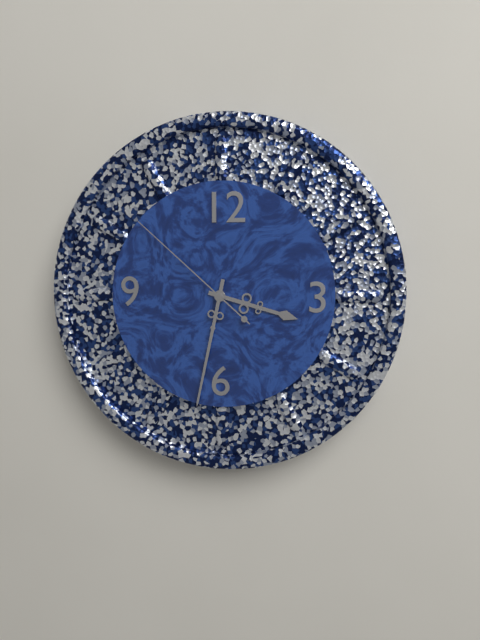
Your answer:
h=3 m=32 s=52
